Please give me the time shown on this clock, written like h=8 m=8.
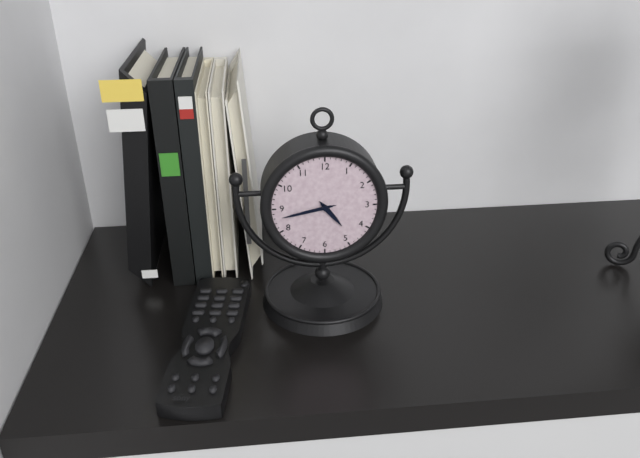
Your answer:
h=4 m=43
